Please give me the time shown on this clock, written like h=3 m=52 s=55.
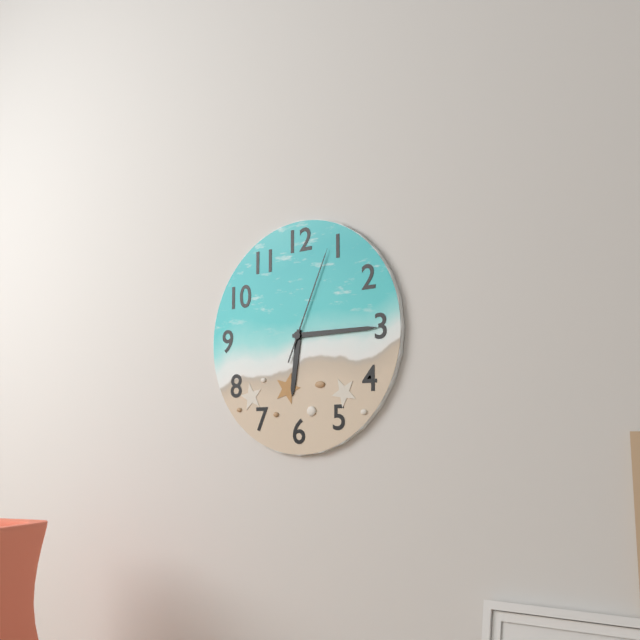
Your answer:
h=6 m=15 s=4
